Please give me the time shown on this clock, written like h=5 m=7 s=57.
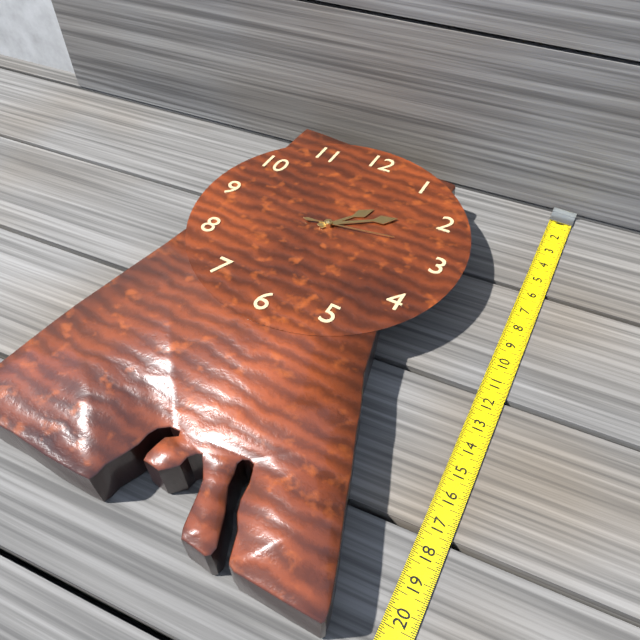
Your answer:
h=1 m=9 s=13
